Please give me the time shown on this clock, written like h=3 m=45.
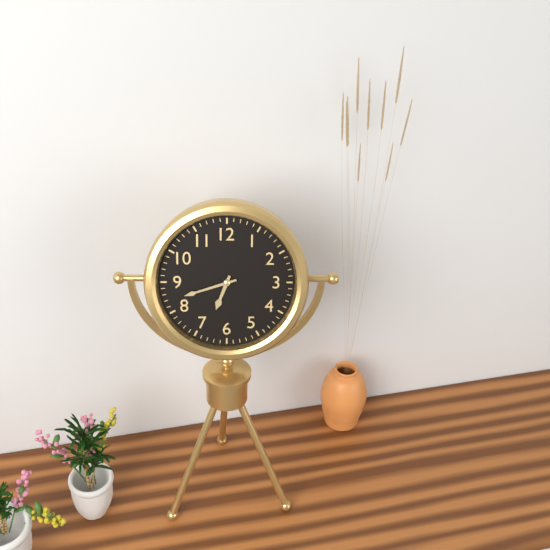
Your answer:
h=6 m=42
